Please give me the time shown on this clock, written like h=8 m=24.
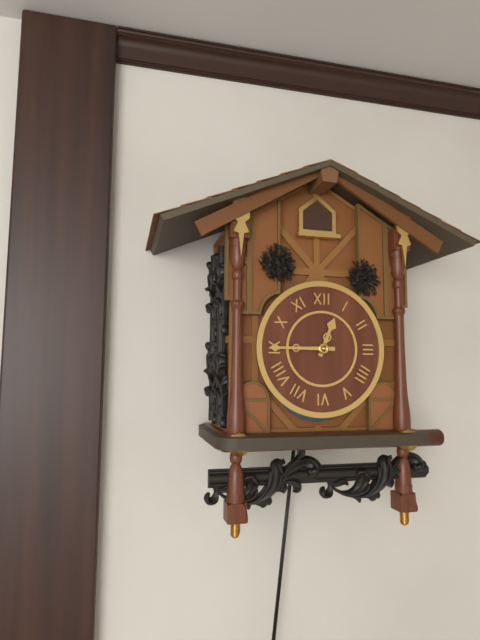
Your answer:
h=12 m=45
